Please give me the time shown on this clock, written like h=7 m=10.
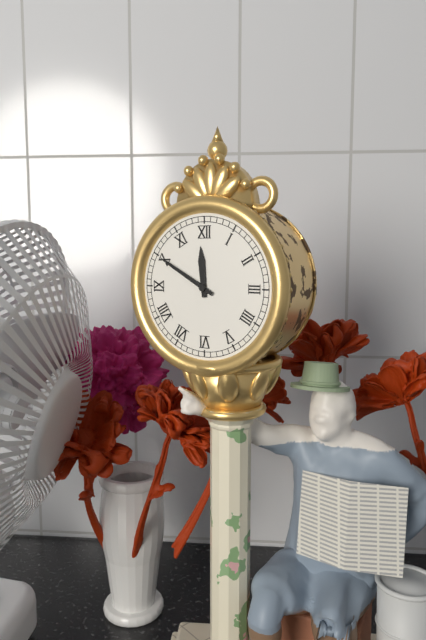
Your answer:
h=11 m=50
